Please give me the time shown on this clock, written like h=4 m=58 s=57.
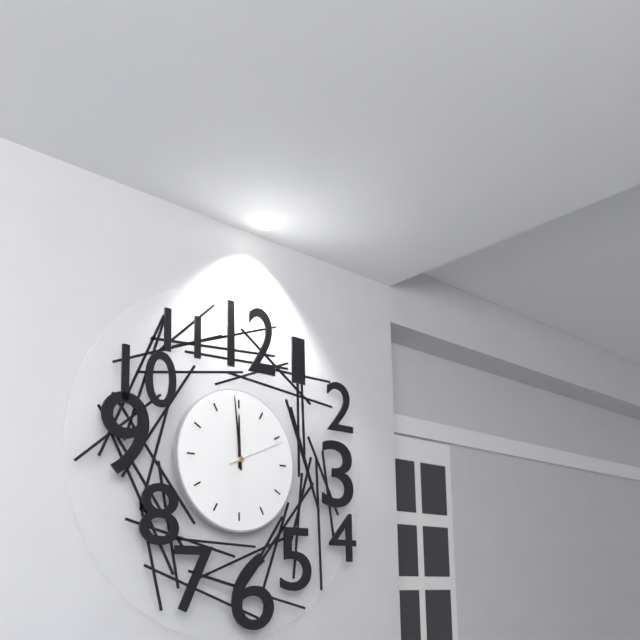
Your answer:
h=11 m=59 s=11
